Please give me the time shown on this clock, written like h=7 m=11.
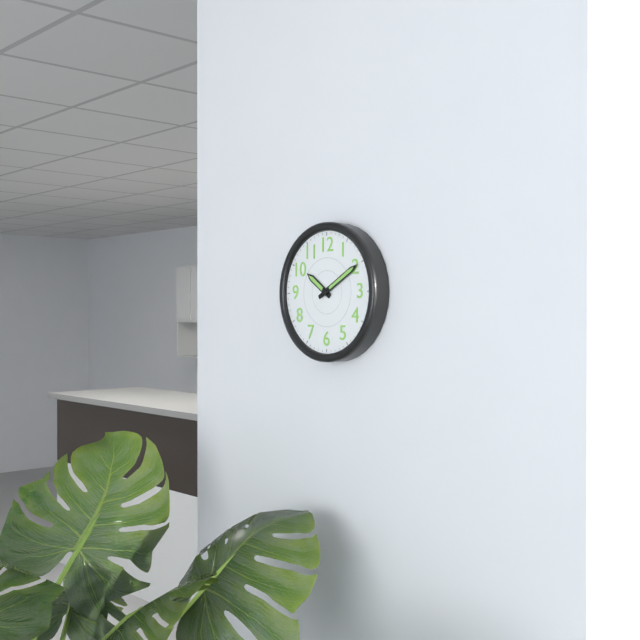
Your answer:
h=10 m=10
